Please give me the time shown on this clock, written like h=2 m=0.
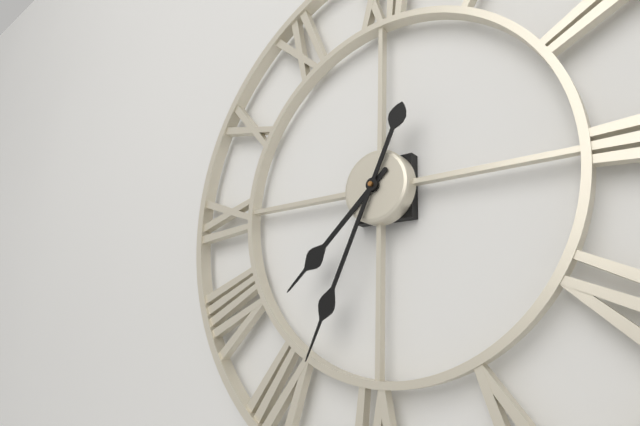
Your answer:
h=7 m=34
